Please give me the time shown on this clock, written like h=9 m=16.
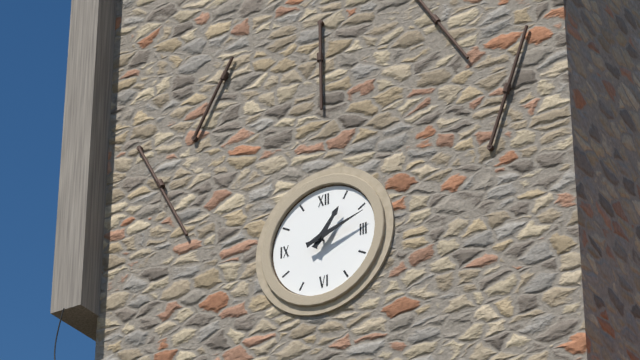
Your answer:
h=1 m=12
